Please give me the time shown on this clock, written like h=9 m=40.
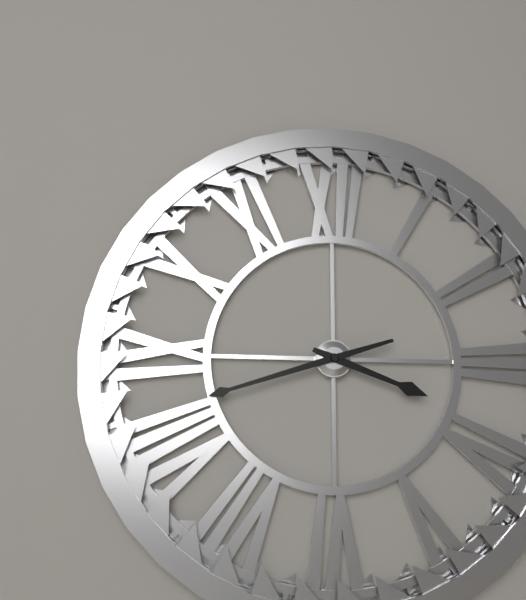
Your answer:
h=3 m=42
